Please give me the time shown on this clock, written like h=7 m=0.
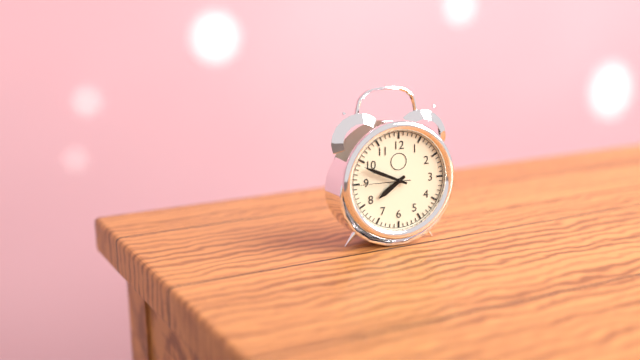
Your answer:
h=7 m=49
